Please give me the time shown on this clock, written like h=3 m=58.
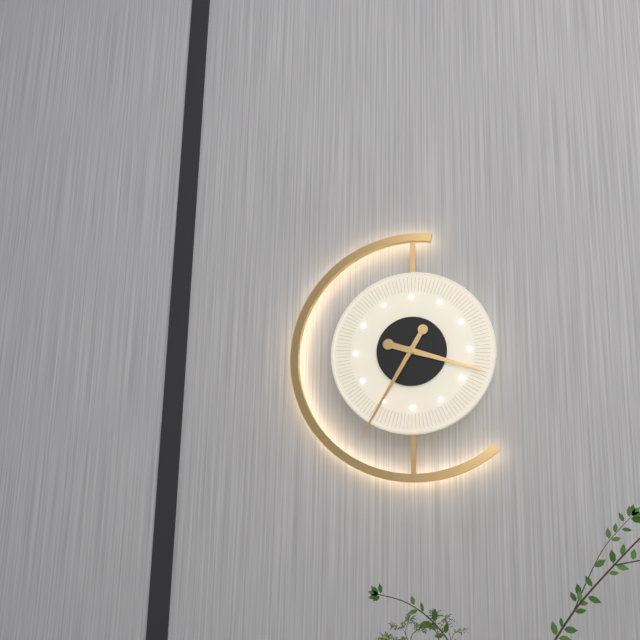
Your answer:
h=3 m=35
